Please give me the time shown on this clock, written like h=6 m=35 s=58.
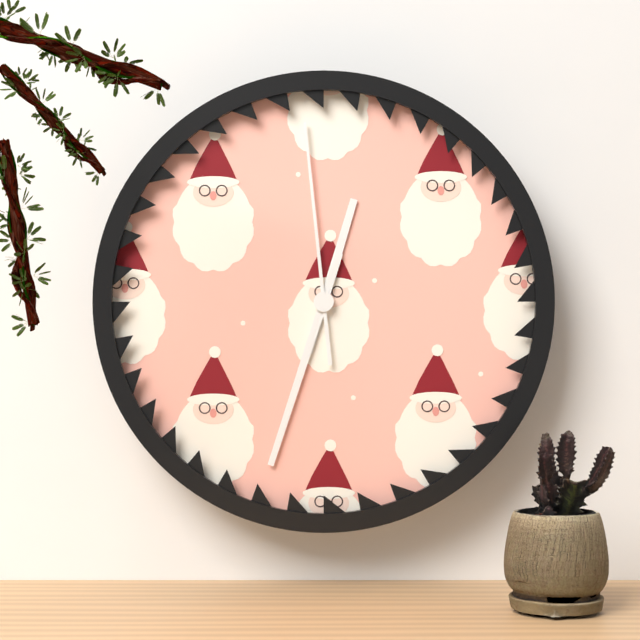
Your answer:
h=12 m=33 s=59
